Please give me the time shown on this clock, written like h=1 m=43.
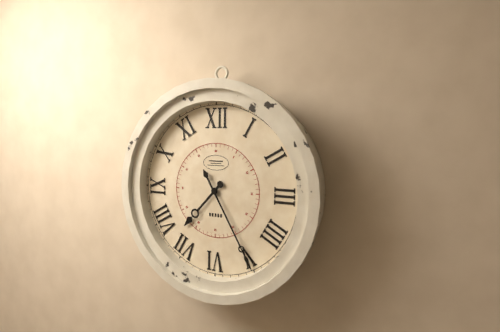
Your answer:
h=7 m=25
